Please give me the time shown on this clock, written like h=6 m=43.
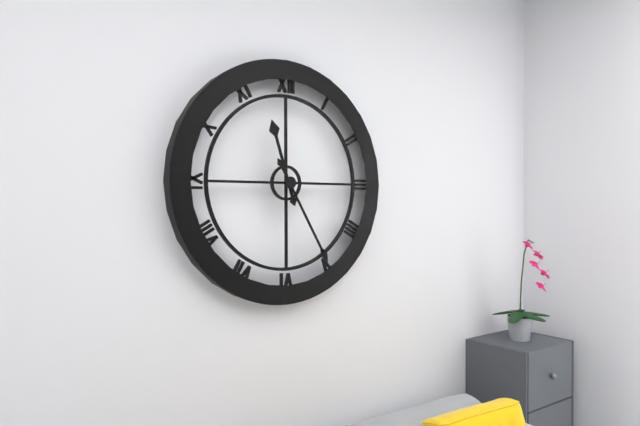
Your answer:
h=11 m=25
